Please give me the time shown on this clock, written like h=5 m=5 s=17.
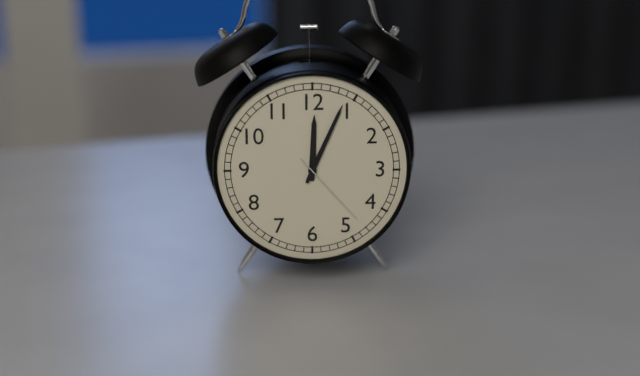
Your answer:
h=12 m=4 s=23
